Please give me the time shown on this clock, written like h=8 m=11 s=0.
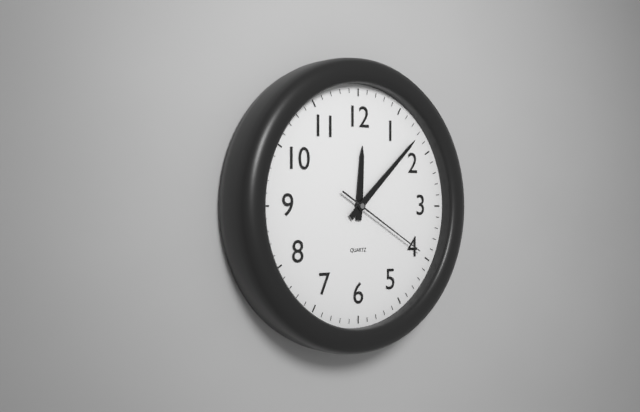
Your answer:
h=12 m=8 s=20
